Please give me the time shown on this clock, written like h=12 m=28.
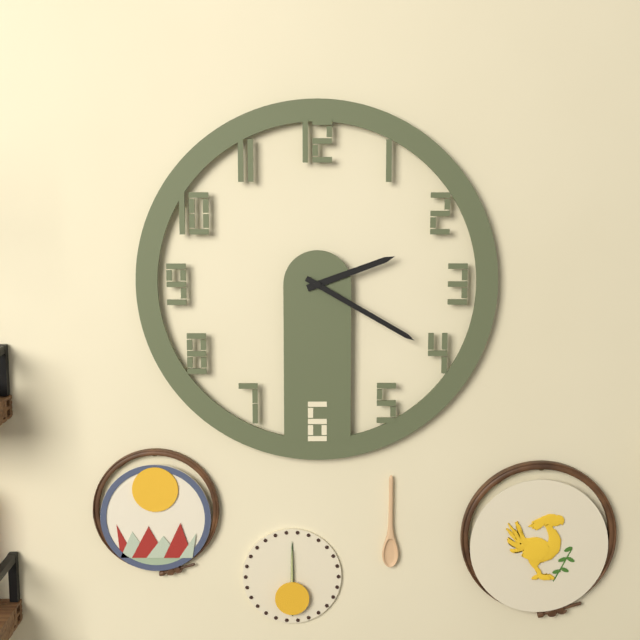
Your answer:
h=2 m=20
